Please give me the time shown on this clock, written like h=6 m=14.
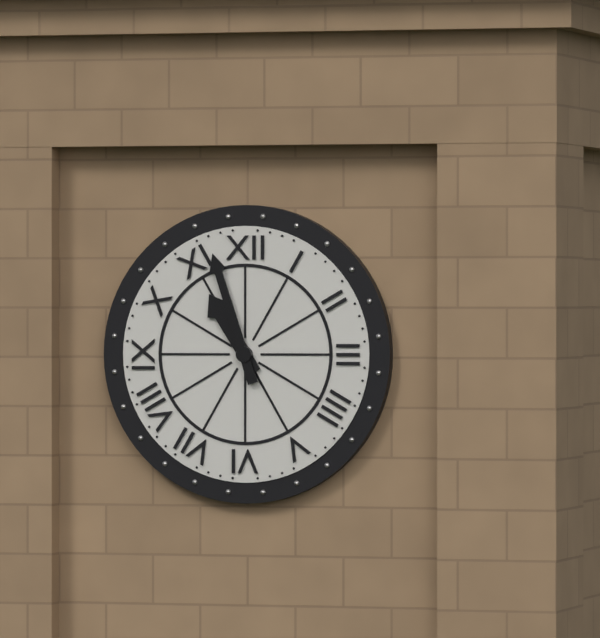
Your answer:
h=10 m=57
